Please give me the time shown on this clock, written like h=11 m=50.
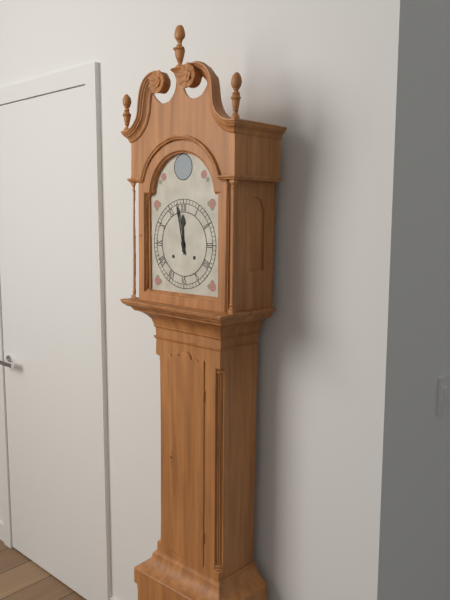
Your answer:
h=11 m=58
